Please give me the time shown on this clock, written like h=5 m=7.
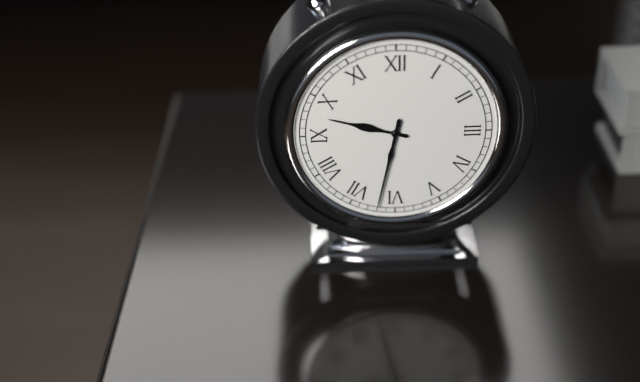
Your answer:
h=9 m=32
